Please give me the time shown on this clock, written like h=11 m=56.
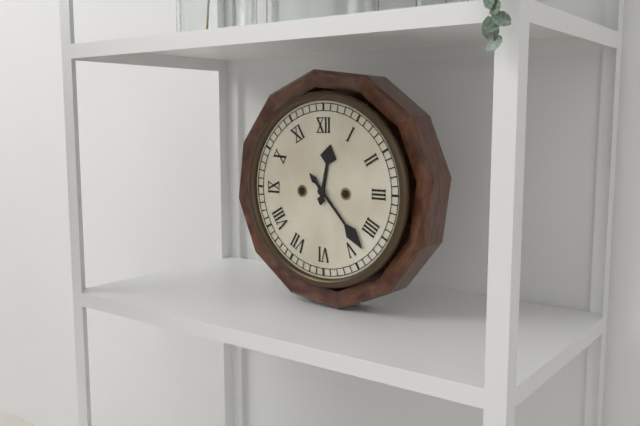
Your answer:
h=12 m=23
